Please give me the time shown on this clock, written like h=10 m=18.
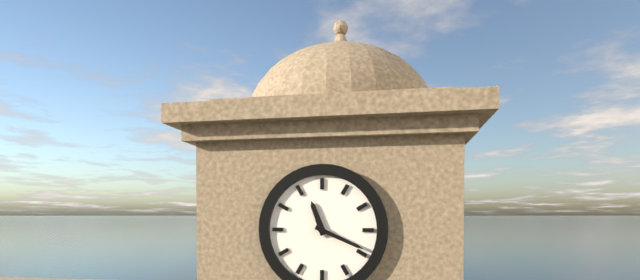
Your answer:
h=11 m=19
